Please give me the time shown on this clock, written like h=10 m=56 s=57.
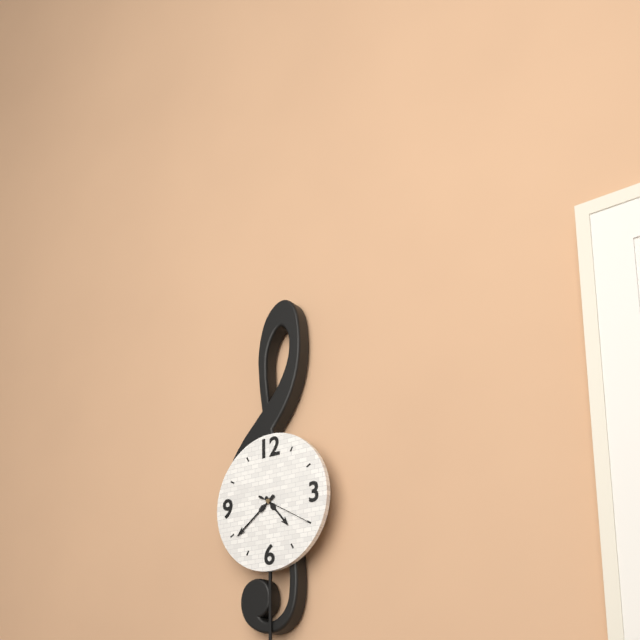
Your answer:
h=4 m=39 s=20
